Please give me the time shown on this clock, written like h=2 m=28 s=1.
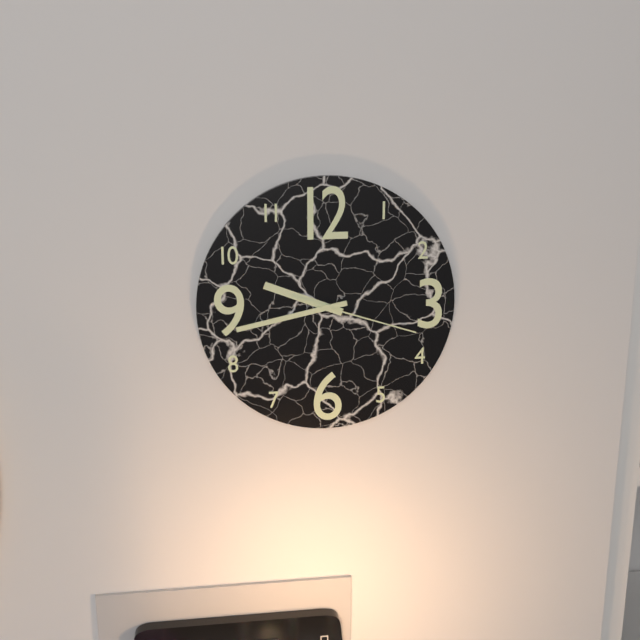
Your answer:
h=9 m=43 s=18
